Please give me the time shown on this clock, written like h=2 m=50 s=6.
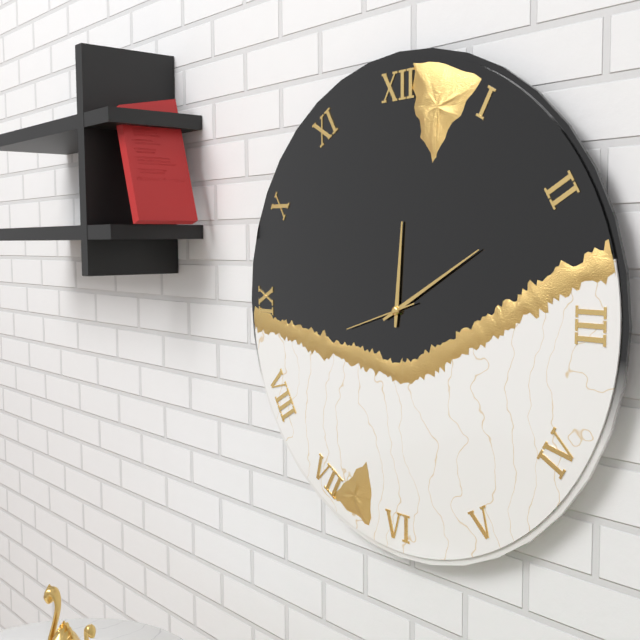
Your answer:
h=12 m=10 s=42
